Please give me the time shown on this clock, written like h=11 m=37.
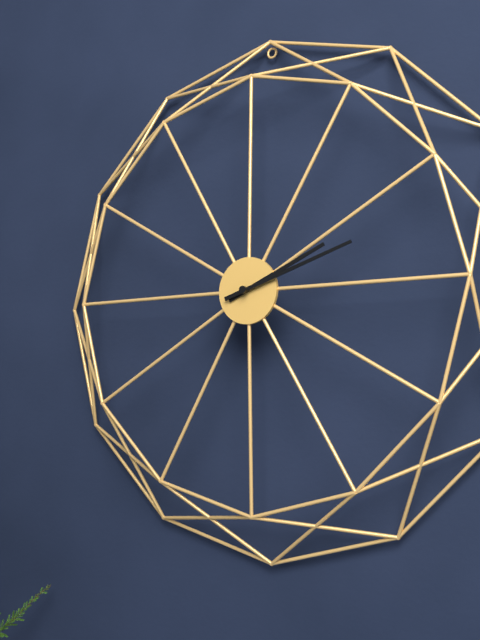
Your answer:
h=2 m=12
